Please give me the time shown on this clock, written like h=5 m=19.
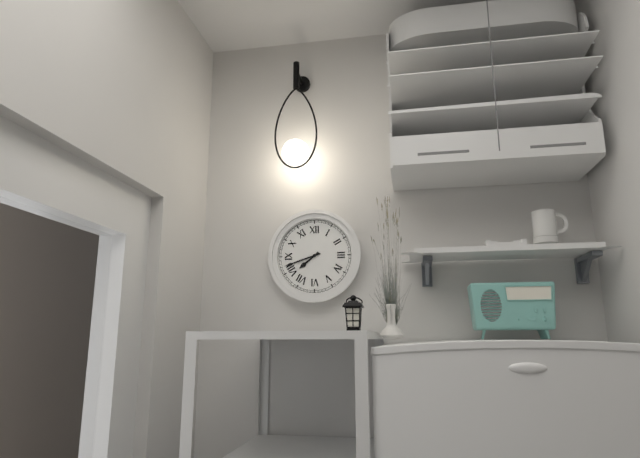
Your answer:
h=7 m=42
